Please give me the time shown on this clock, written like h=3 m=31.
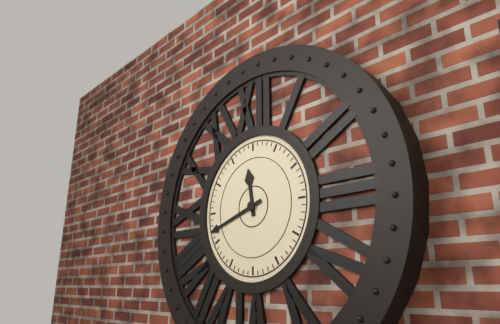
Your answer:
h=11 m=42
